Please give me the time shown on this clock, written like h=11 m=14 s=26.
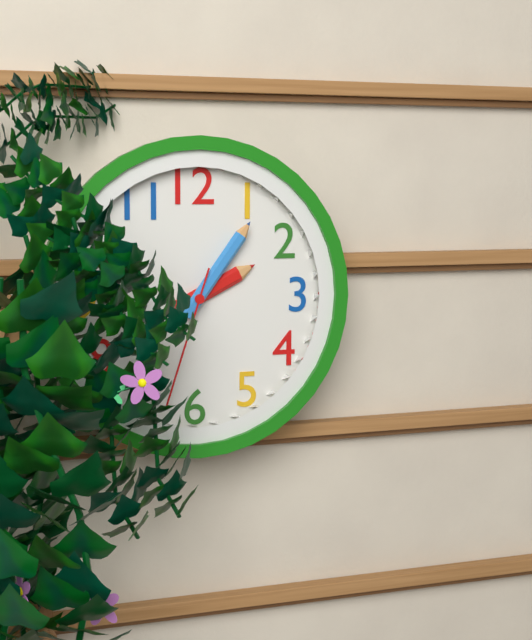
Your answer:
h=2 m=6 s=33
